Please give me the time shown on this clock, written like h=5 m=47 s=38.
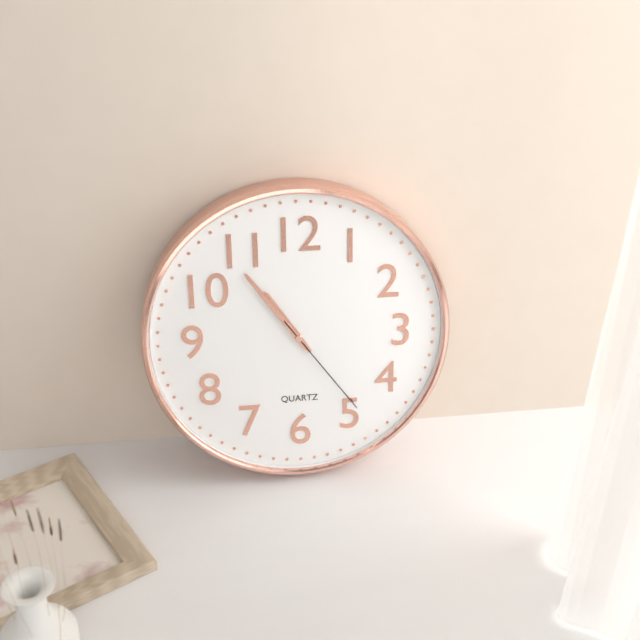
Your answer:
h=10 m=54 s=24
